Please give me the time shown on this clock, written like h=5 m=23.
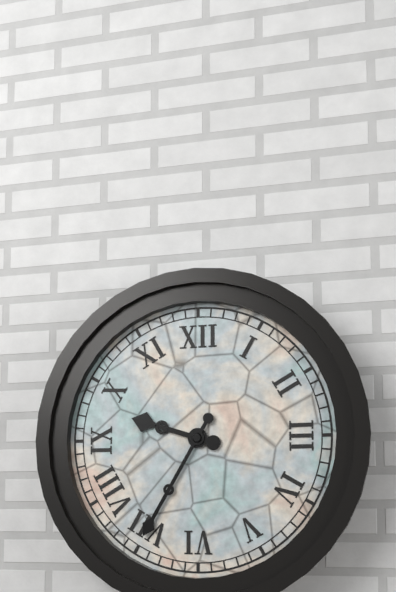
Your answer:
h=9 m=35
